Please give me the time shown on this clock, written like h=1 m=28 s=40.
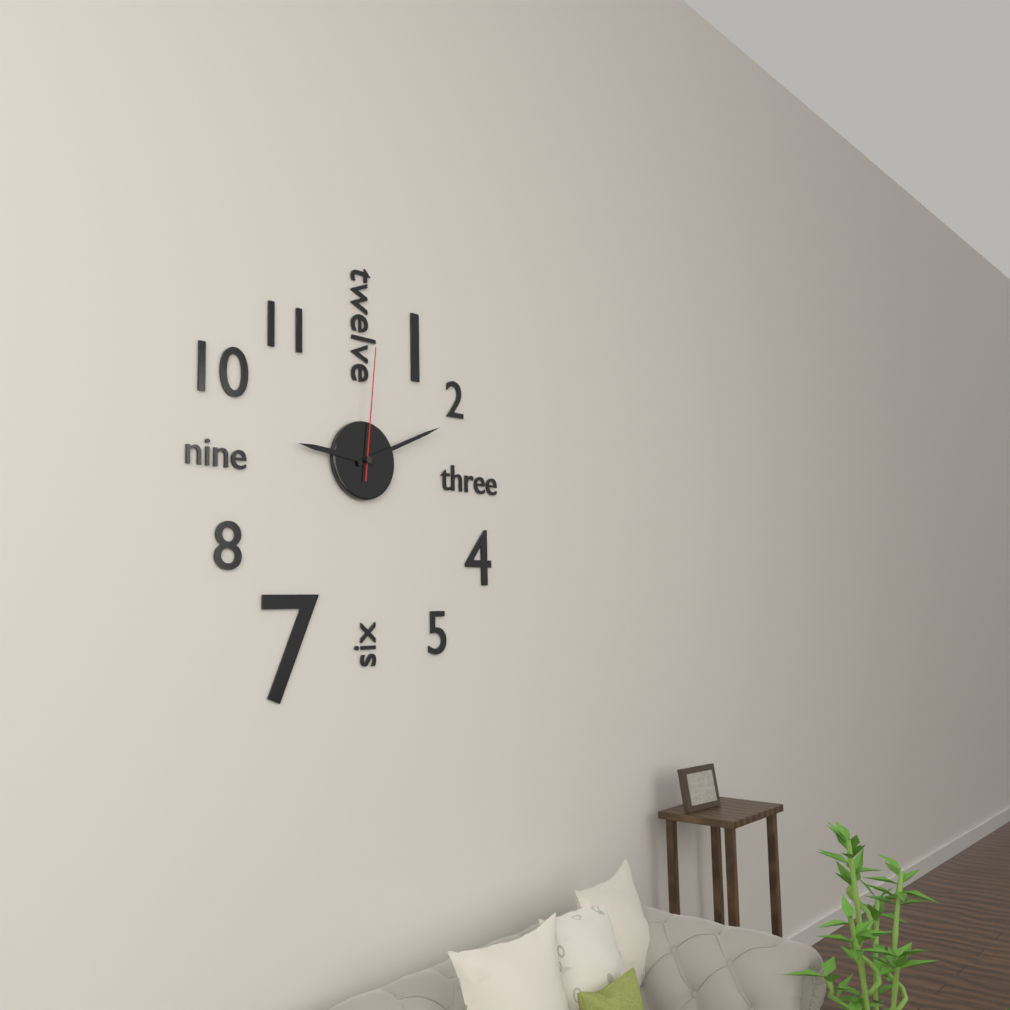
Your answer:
h=9 m=11 s=1
